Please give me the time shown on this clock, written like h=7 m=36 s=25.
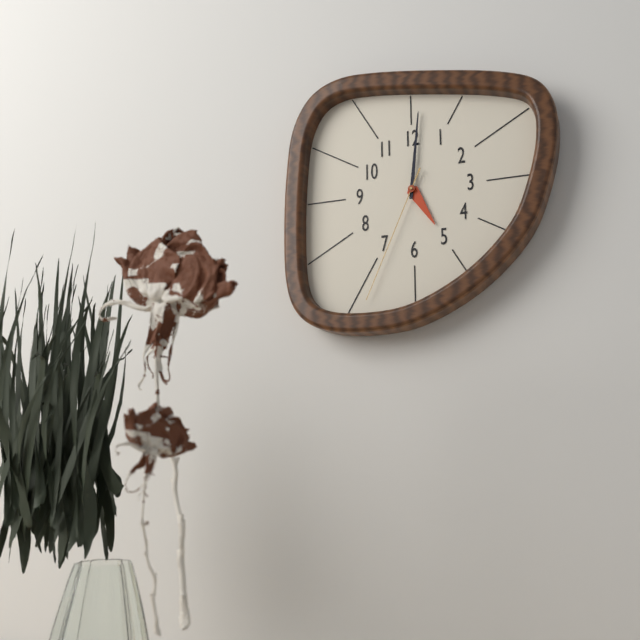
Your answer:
h=5 m=1 s=34
